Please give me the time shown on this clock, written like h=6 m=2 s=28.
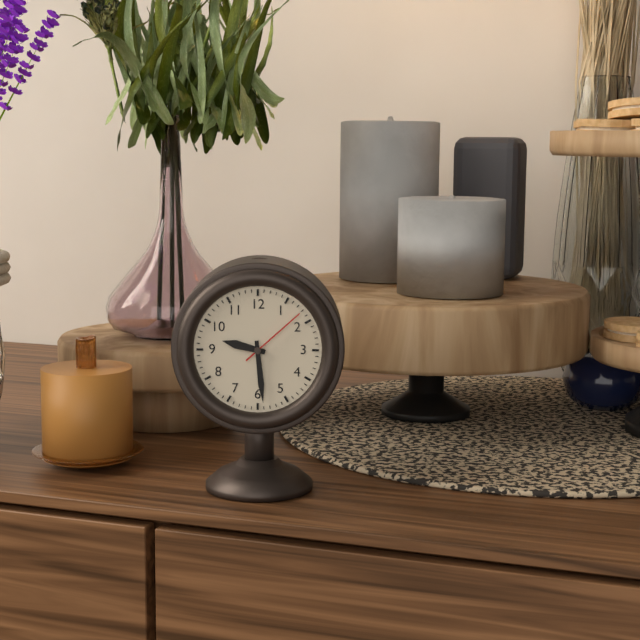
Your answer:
h=9 m=29 s=8
